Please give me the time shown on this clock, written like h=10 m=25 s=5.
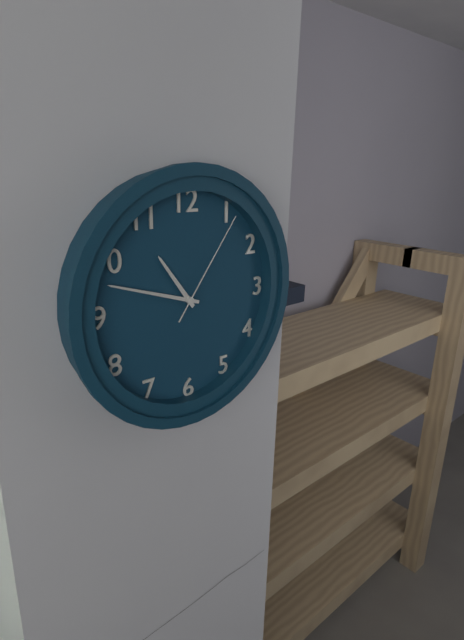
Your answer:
h=10 m=48 s=6
